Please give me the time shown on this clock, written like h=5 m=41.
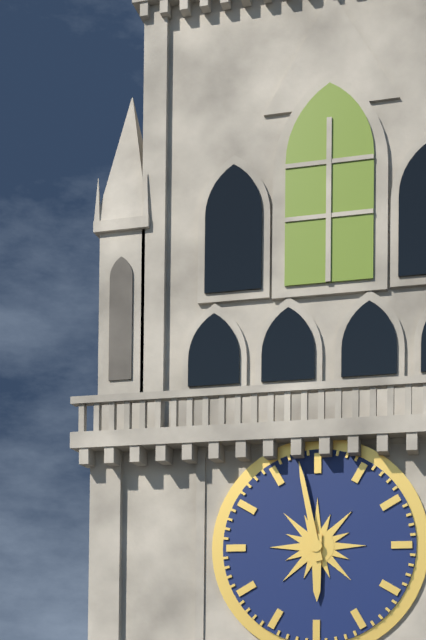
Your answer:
h=5 m=58
